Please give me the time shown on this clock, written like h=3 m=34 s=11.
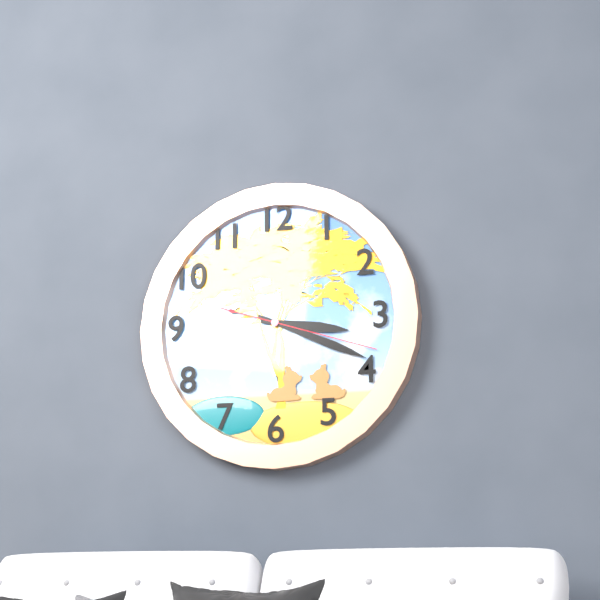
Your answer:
h=3 m=19 s=18
